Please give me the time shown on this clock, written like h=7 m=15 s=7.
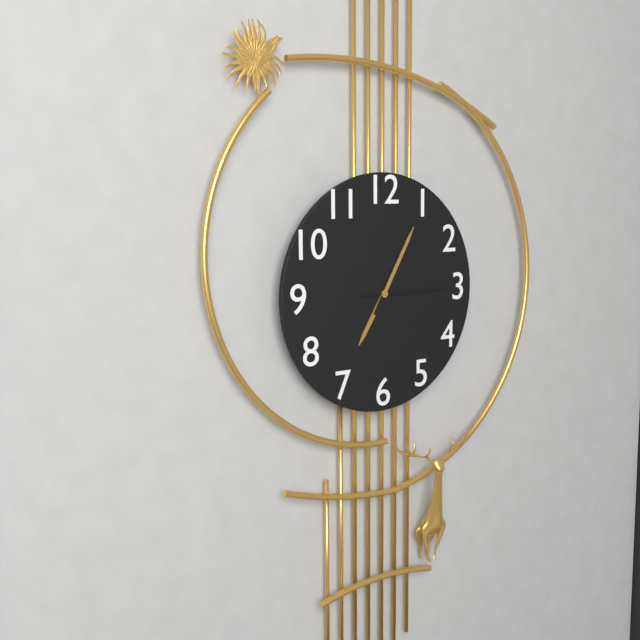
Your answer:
h=7 m=5 s=15
